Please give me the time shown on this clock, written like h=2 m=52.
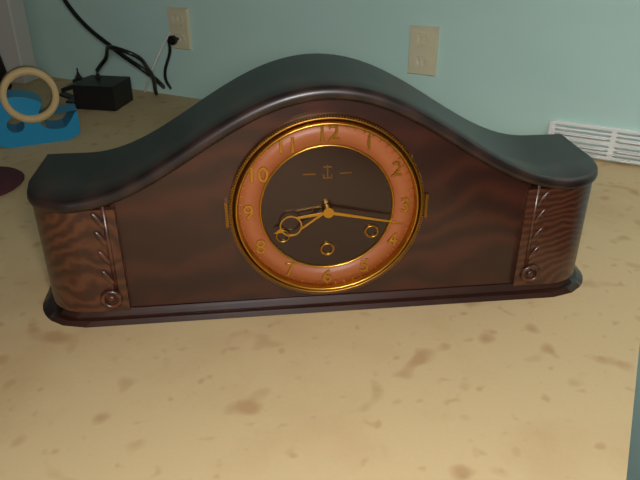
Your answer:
h=8 m=17
